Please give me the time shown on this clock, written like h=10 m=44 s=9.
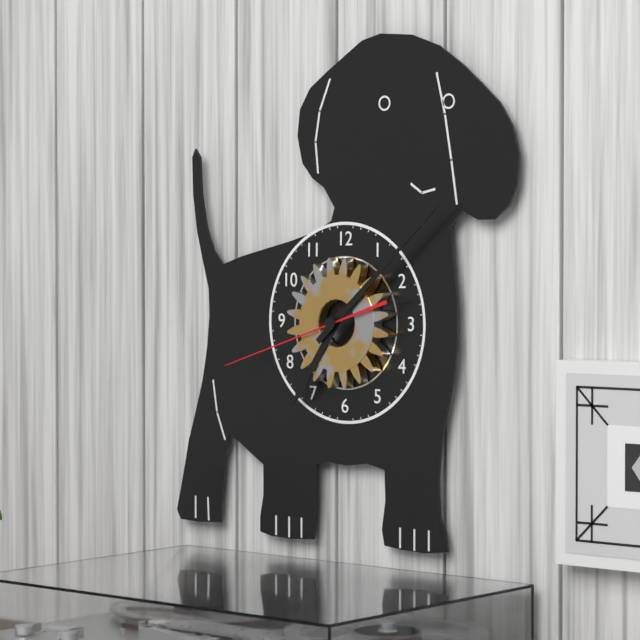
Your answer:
h=7 m=8 s=42
